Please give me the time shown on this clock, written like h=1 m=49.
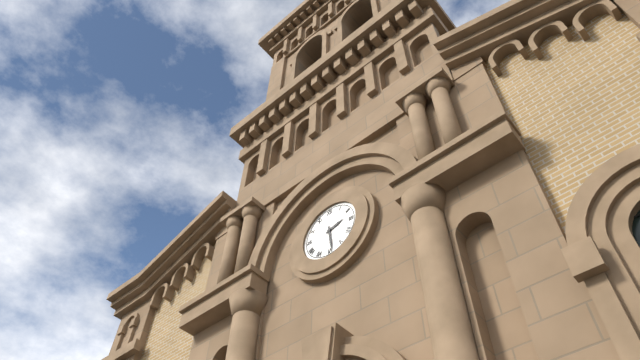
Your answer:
h=2 m=29
